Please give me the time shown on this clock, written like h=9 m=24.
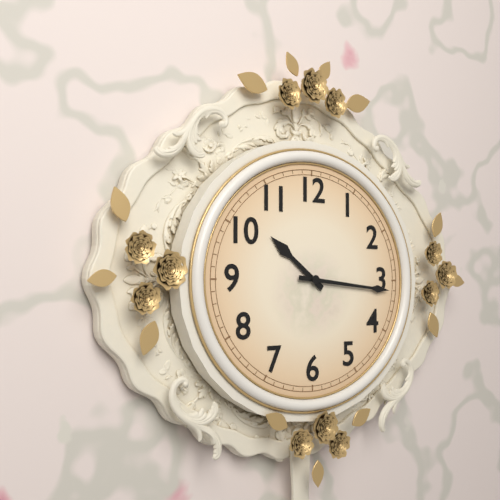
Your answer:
h=10 m=16
